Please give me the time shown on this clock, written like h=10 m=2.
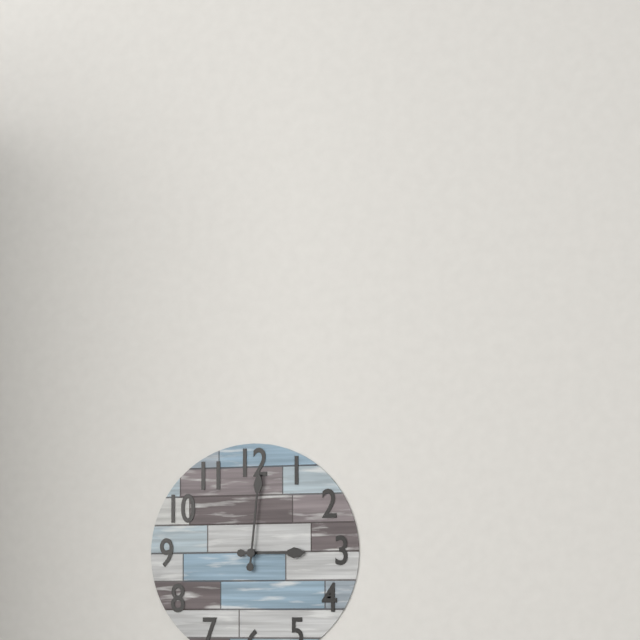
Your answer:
h=3 m=1
